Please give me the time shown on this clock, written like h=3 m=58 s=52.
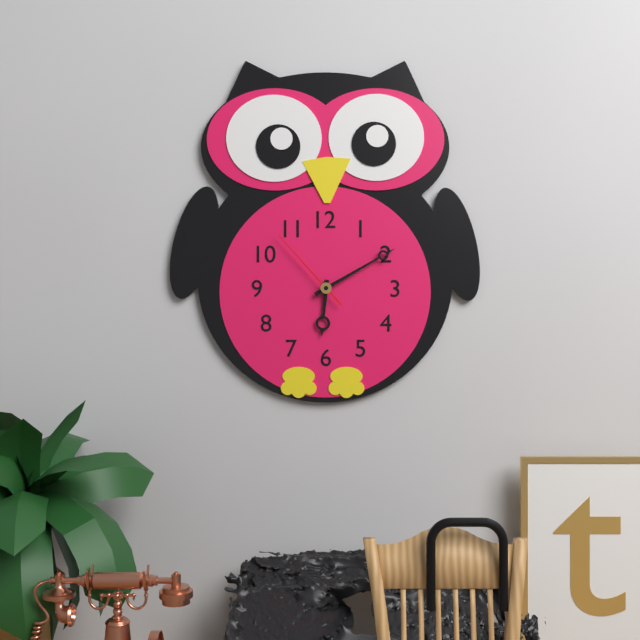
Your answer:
h=6 m=10 s=53
